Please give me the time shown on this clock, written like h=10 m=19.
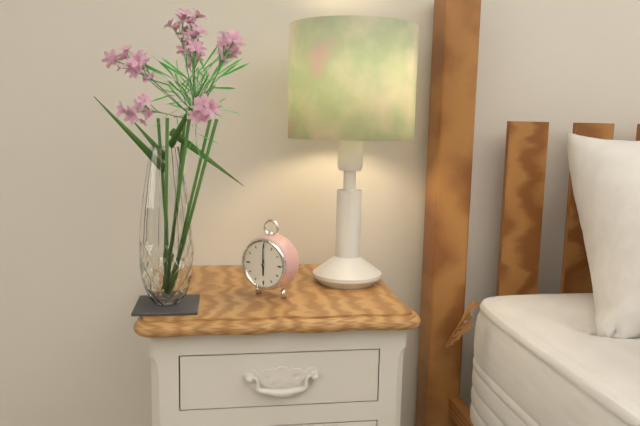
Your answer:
h=6 m=0
